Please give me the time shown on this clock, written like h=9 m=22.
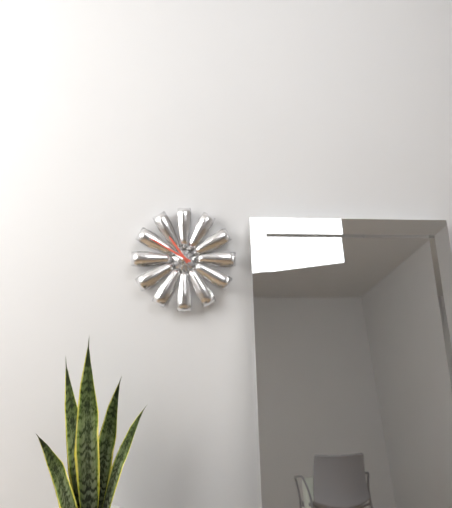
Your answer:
h=10 m=50
